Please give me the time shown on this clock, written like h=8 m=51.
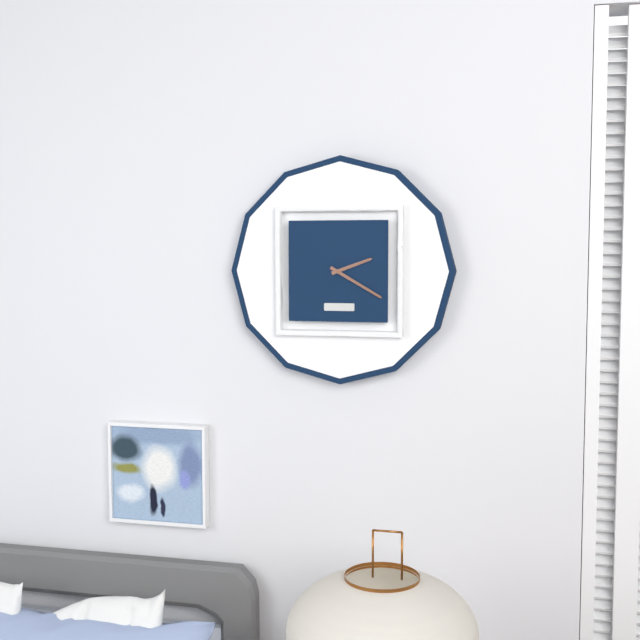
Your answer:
h=2 m=20
